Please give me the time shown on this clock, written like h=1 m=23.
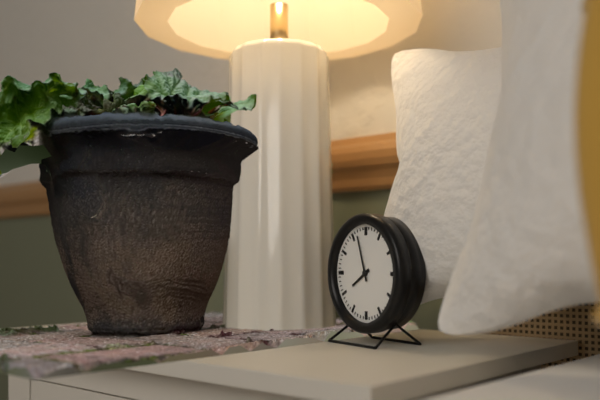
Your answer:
h=7 m=57
